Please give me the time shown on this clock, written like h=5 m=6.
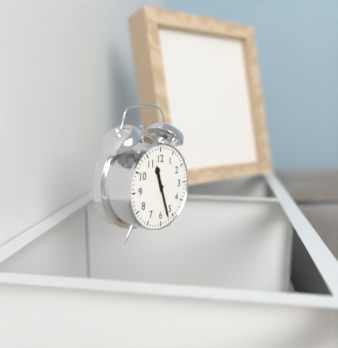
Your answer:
h=11 m=27
